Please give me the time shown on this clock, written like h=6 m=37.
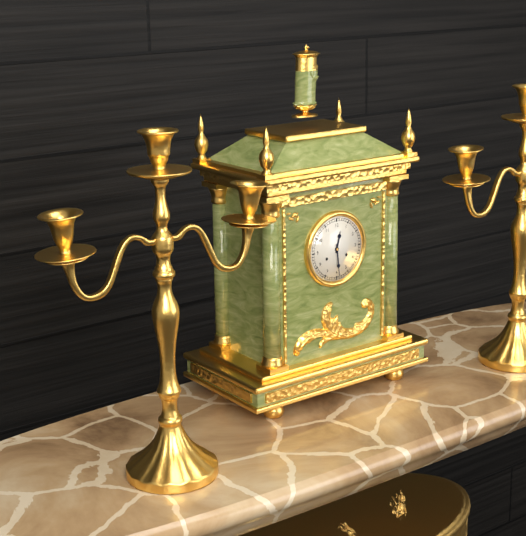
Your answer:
h=12 m=29
